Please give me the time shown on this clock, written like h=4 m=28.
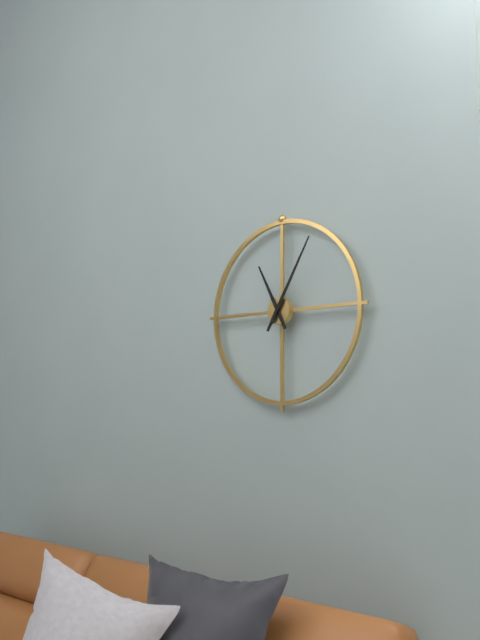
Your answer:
h=11 m=5
